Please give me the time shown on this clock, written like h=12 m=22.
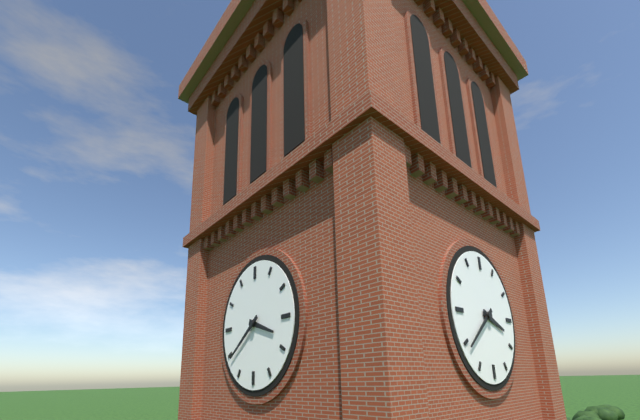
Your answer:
h=3 m=39
